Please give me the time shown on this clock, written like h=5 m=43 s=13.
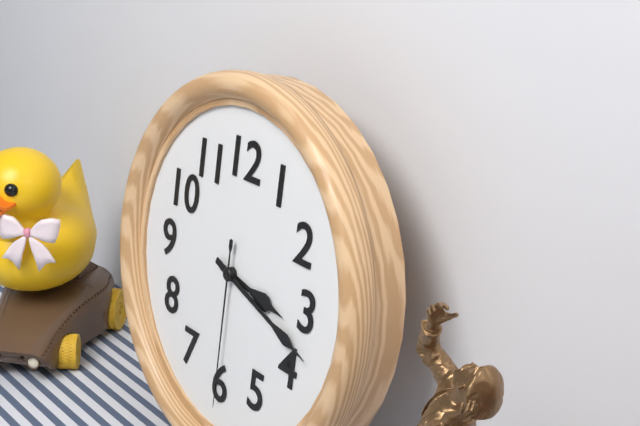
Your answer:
h=3 m=18 s=30
